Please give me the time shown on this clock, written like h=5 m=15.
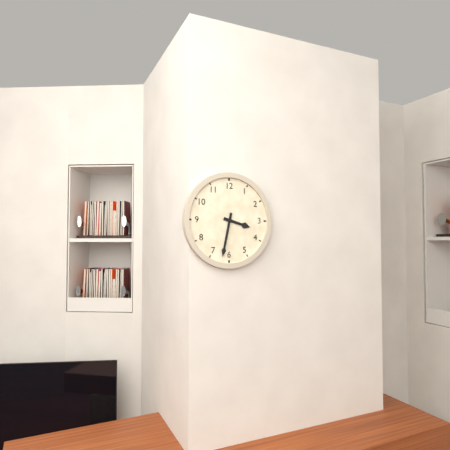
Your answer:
h=3 m=32
